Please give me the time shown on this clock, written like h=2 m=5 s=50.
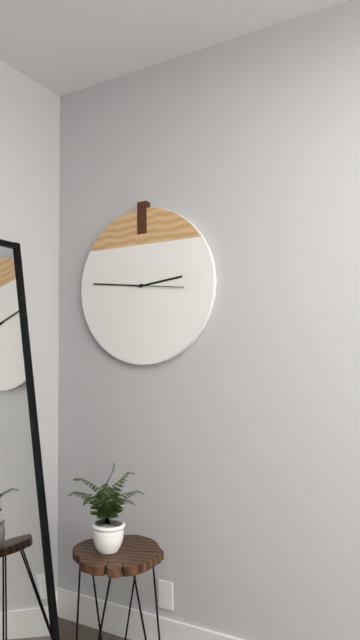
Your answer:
h=2 m=46 s=16
